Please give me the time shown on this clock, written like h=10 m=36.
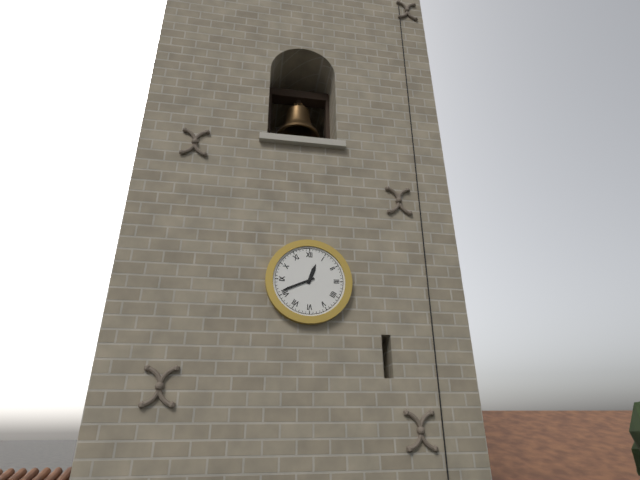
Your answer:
h=12 m=41
